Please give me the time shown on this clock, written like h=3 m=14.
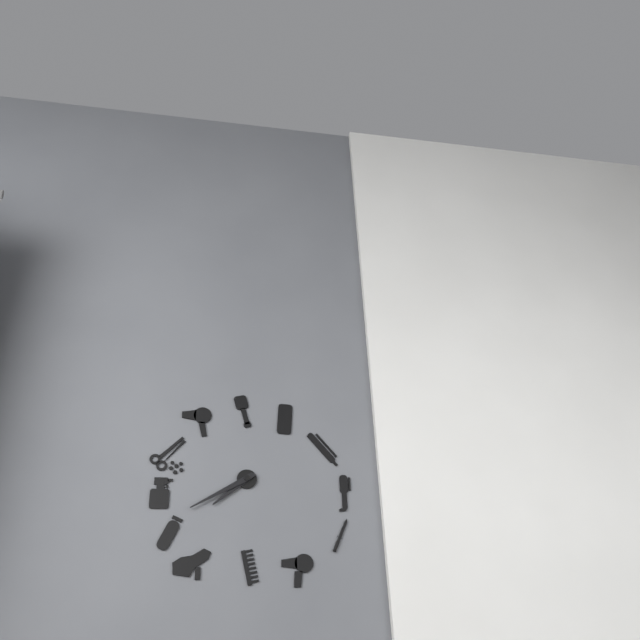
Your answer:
h=7 m=40
